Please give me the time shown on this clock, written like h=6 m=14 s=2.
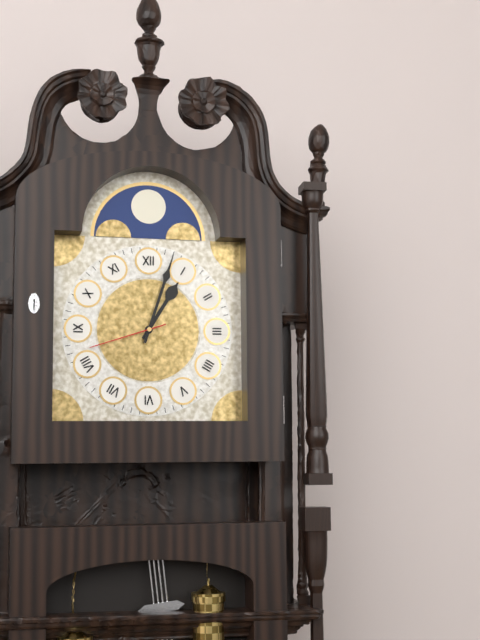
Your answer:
h=1 m=3 s=42
